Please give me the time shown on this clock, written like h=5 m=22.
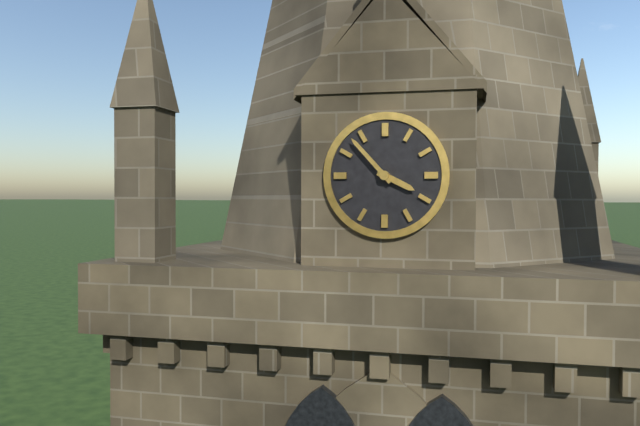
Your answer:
h=3 m=53
